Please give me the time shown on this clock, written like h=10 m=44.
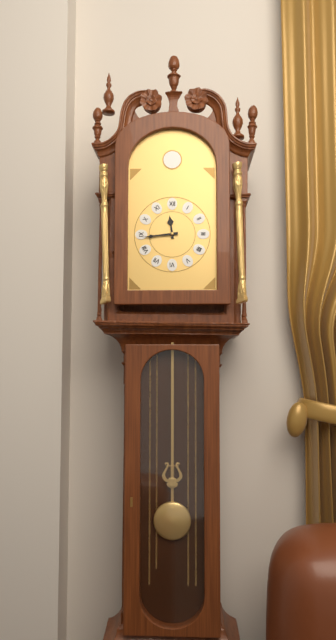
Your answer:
h=11 m=44
